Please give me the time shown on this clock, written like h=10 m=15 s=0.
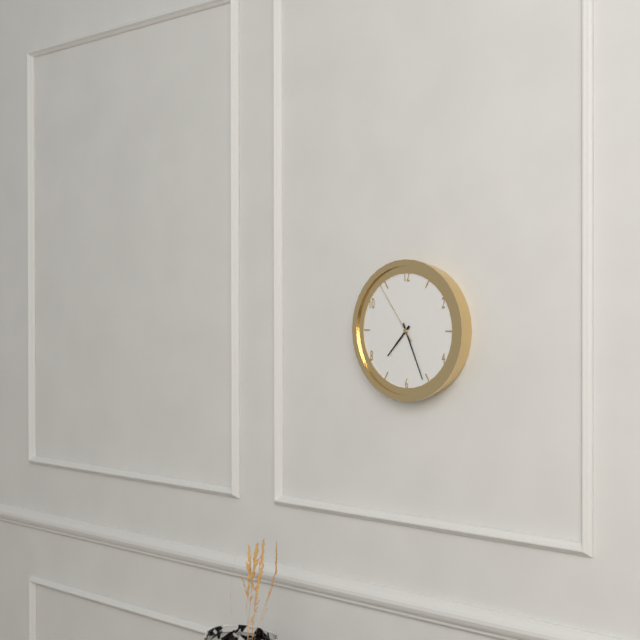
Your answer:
h=7 m=26 s=54
